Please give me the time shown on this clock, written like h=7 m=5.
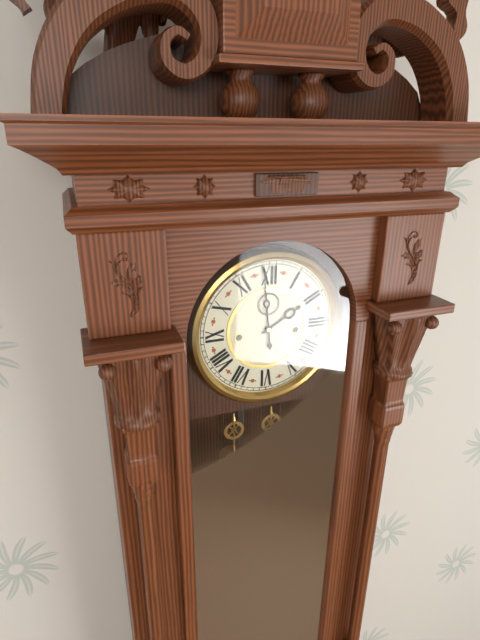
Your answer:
h=1 m=59
